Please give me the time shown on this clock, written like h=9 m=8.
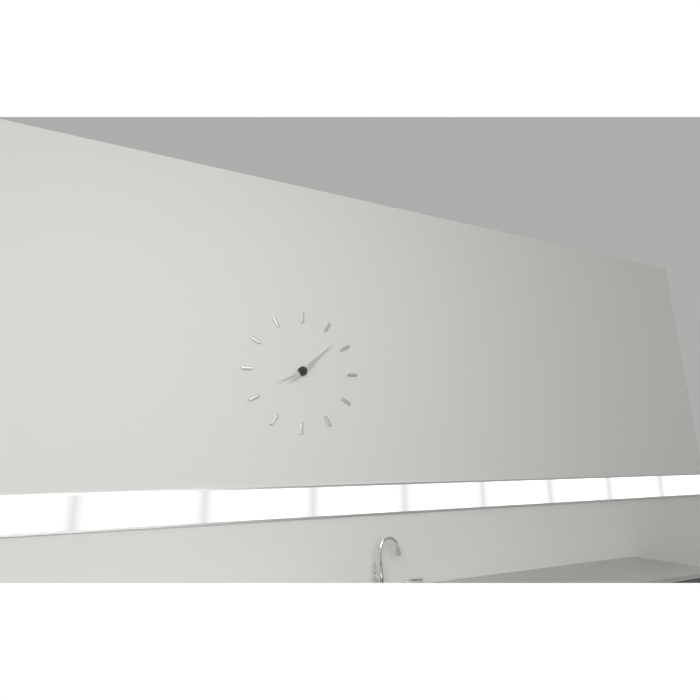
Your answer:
h=8 m=8
